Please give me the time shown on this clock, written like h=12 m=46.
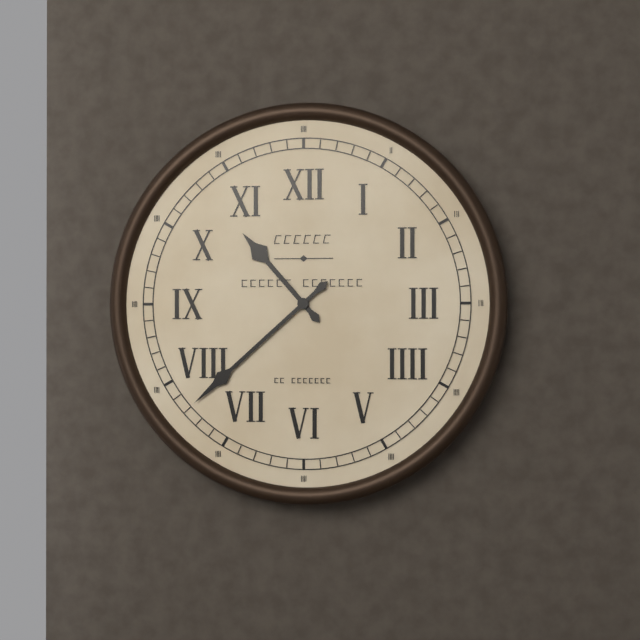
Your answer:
h=10 m=38
